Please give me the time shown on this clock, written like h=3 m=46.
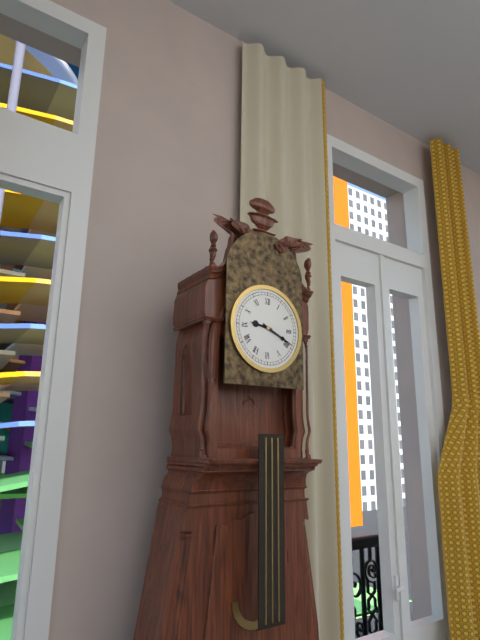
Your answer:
h=9 m=19
